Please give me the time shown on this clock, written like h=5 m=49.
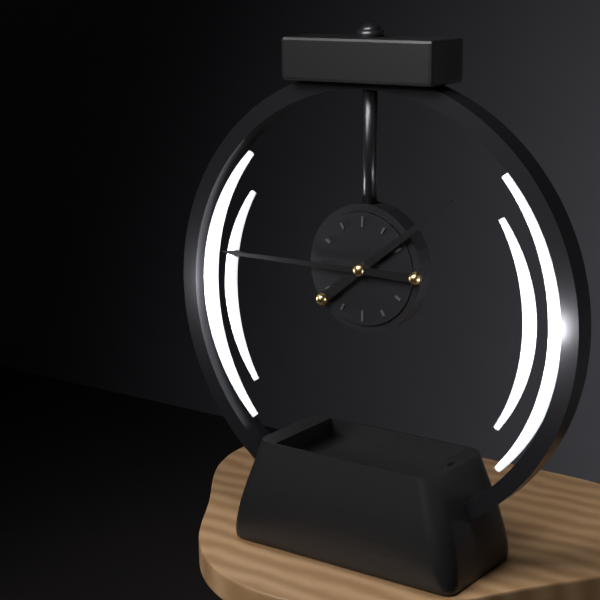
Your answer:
h=1 m=45
